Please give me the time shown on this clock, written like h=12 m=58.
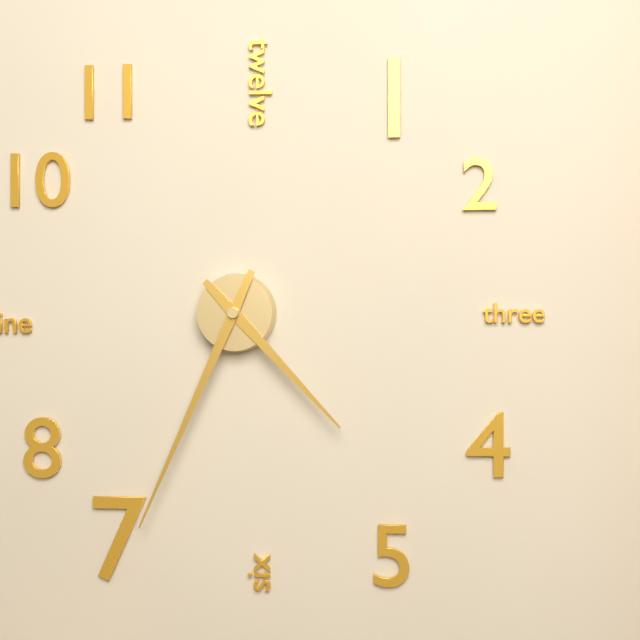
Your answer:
h=4 m=34
